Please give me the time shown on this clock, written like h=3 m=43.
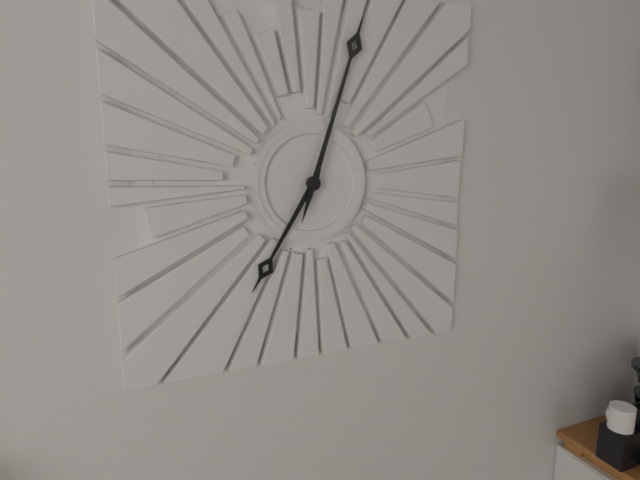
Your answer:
h=7 m=3
